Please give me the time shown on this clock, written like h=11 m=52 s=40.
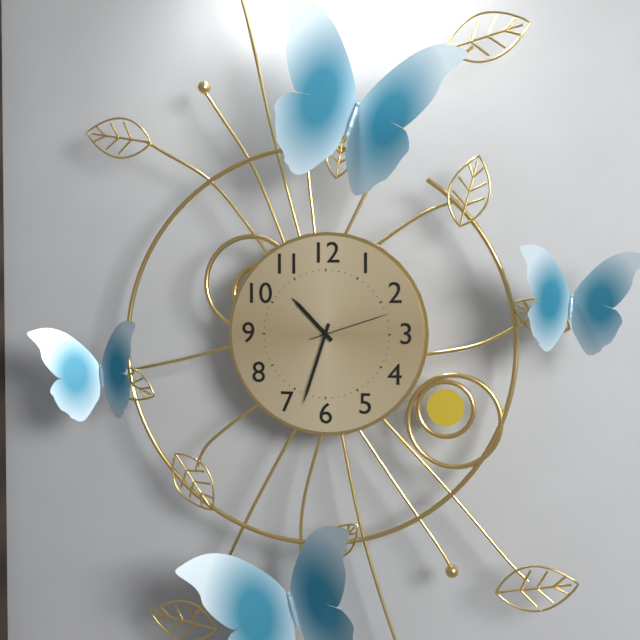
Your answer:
h=10 m=33 s=12
